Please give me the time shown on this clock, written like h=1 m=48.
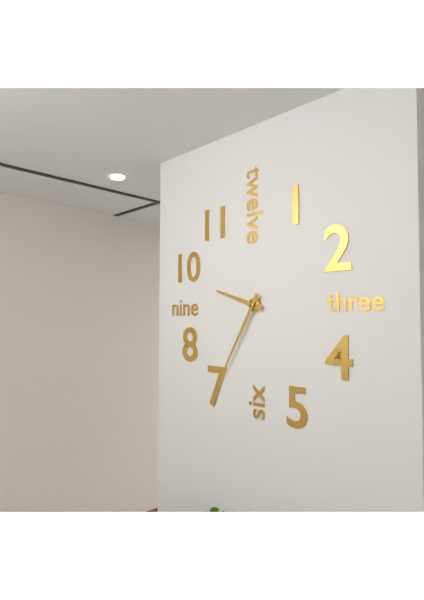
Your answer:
h=9 m=35
